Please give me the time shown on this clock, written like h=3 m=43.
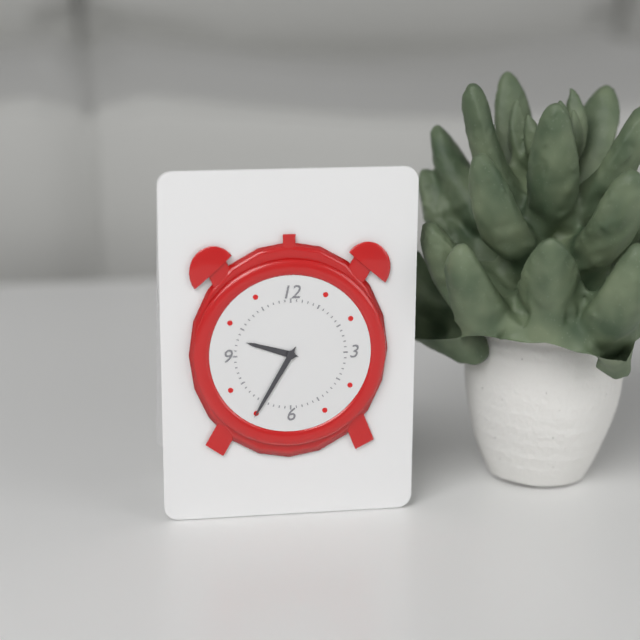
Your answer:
h=9 m=35
